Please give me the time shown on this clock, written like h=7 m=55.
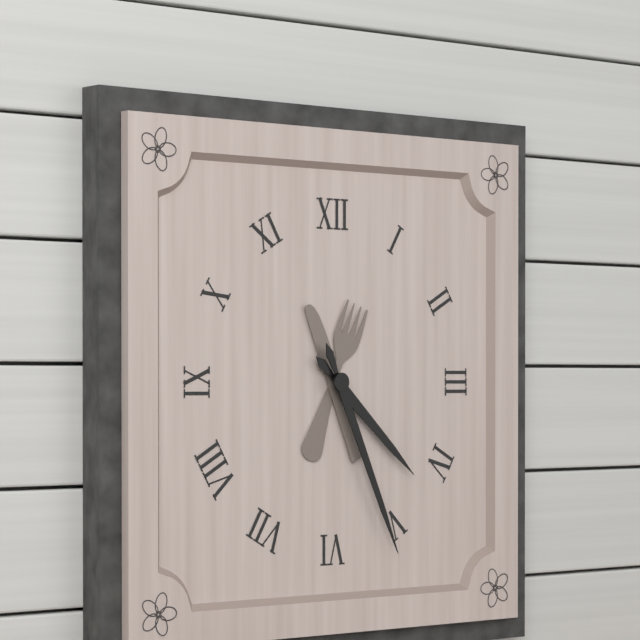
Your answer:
h=4 m=26
